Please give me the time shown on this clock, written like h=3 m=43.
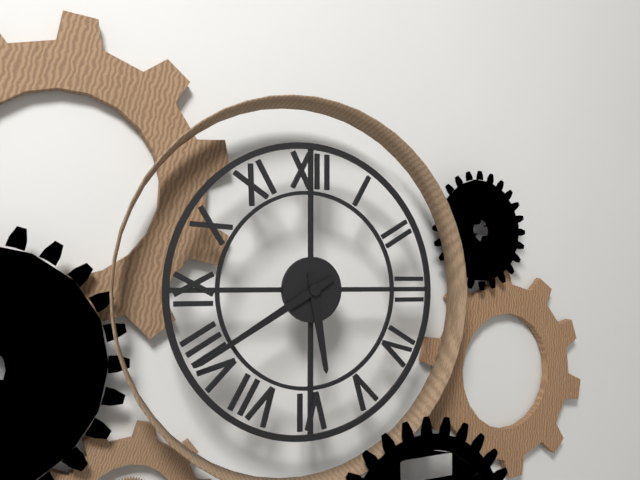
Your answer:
h=5 m=40
